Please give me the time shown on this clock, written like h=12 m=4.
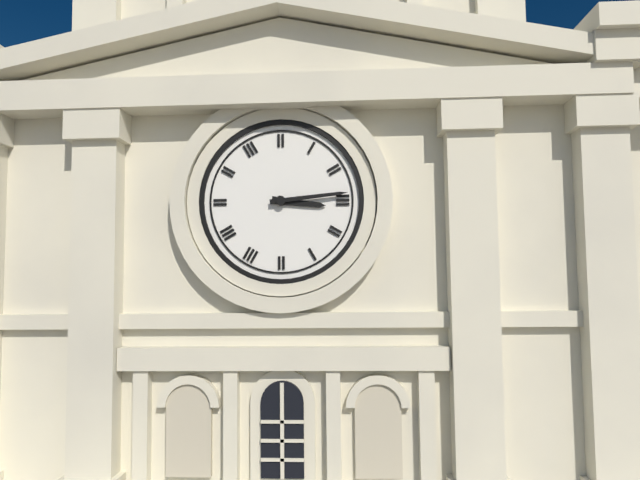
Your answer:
h=3 m=14
